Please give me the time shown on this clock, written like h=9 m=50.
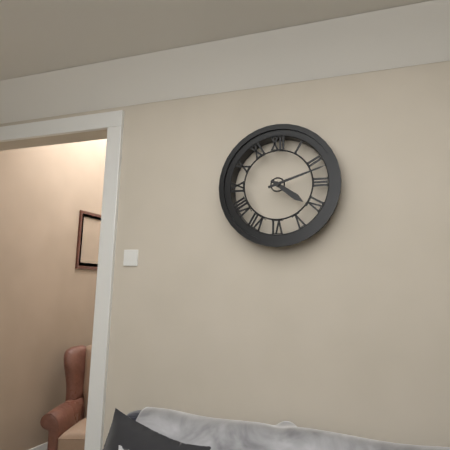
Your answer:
h=4 m=12
